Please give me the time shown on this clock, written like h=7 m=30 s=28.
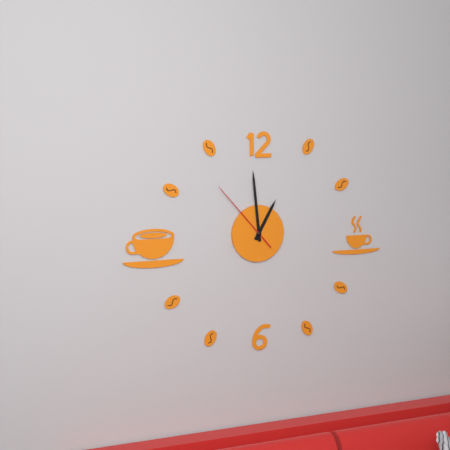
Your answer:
h=12 m=59 s=53
